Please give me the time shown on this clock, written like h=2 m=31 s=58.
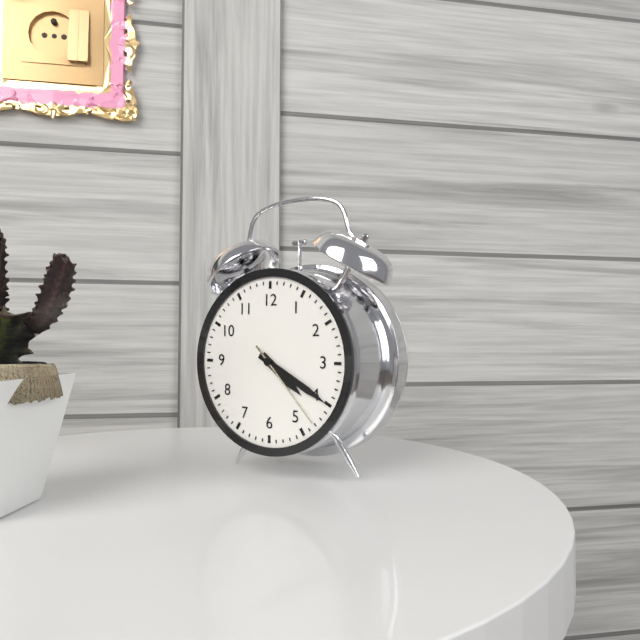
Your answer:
h=4 m=20 s=23
